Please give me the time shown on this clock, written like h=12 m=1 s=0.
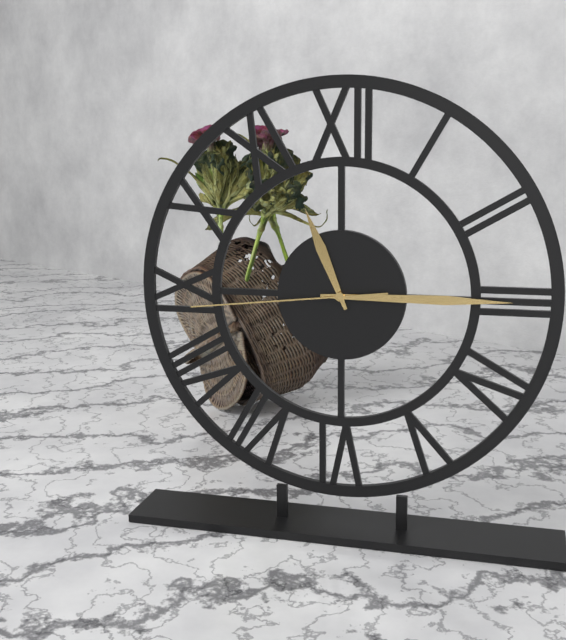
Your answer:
h=11 m=15 s=44
